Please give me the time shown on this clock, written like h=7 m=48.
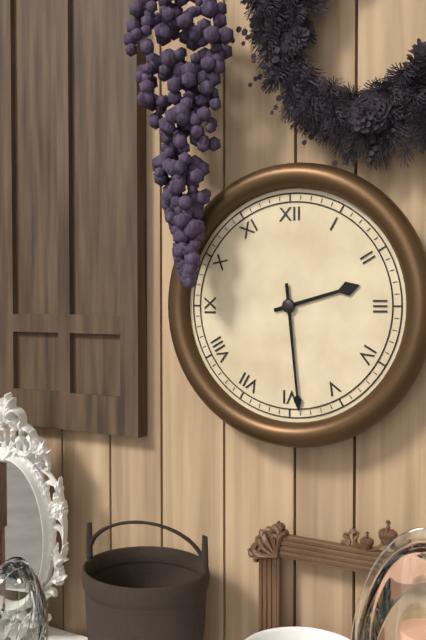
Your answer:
h=2 m=29
